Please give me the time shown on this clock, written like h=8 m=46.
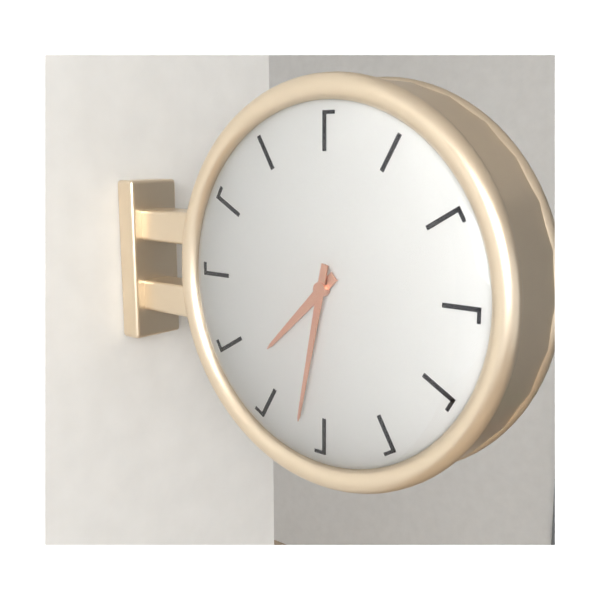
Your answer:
h=7 m=32
